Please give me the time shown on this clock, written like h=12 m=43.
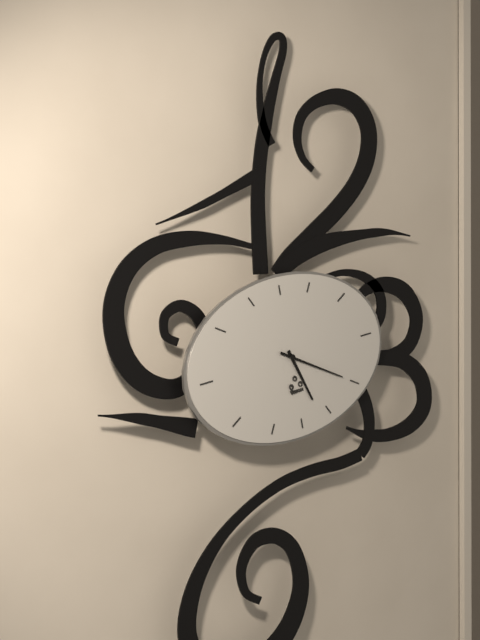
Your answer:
h=5 m=20
